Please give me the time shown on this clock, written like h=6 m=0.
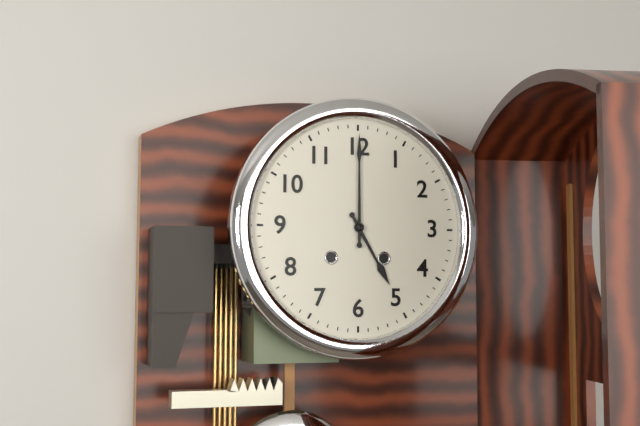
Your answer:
h=5 m=0
